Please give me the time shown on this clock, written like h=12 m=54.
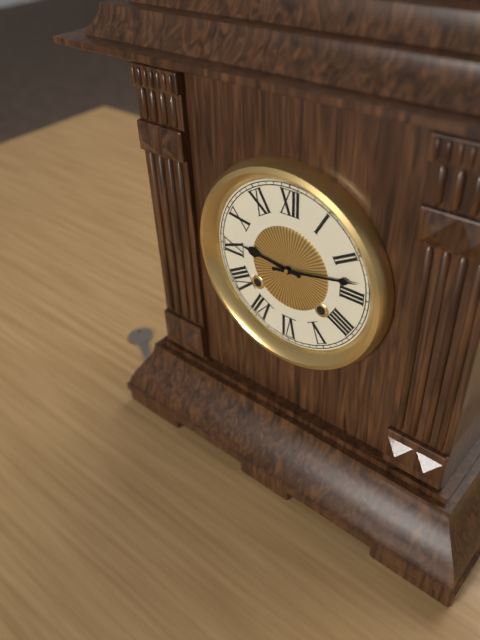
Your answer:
h=9 m=13
